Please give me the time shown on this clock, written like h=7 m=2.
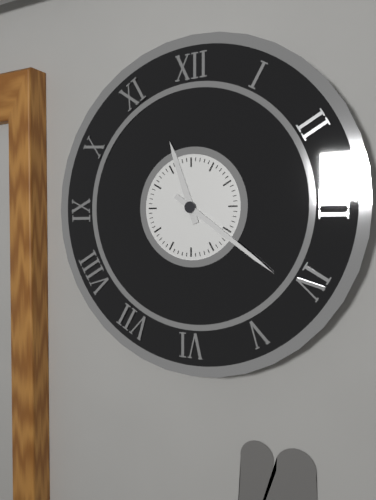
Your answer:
h=11 m=21
